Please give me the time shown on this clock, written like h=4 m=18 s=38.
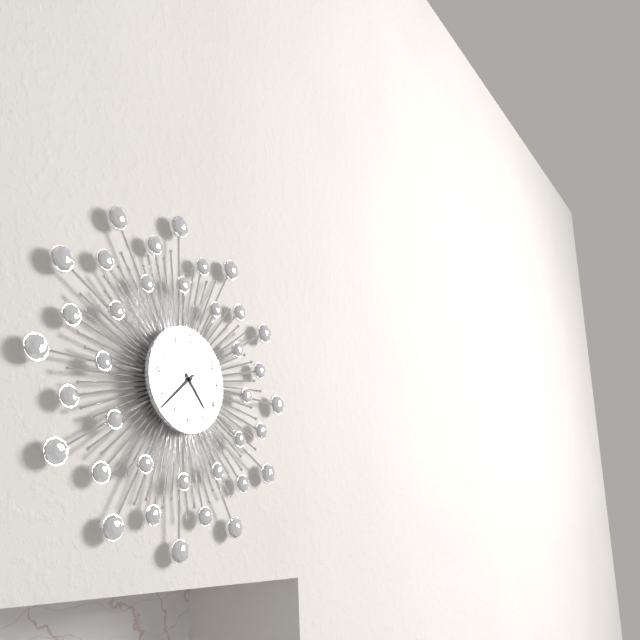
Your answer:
h=4 m=38 s=3
